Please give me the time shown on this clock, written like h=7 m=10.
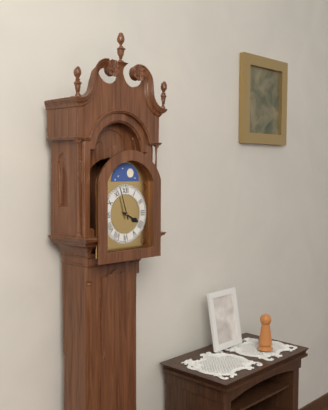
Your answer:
h=3 m=57
